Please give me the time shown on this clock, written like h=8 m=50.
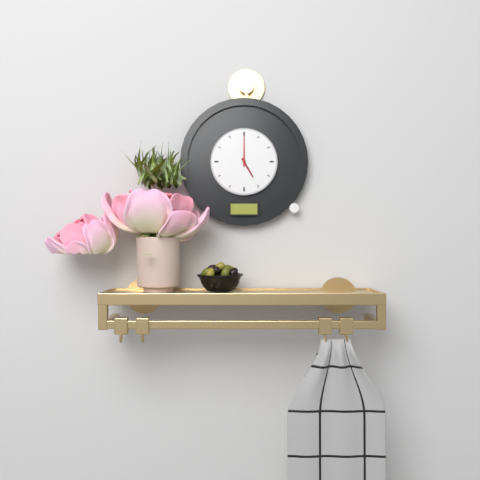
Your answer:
h=5 m=0
